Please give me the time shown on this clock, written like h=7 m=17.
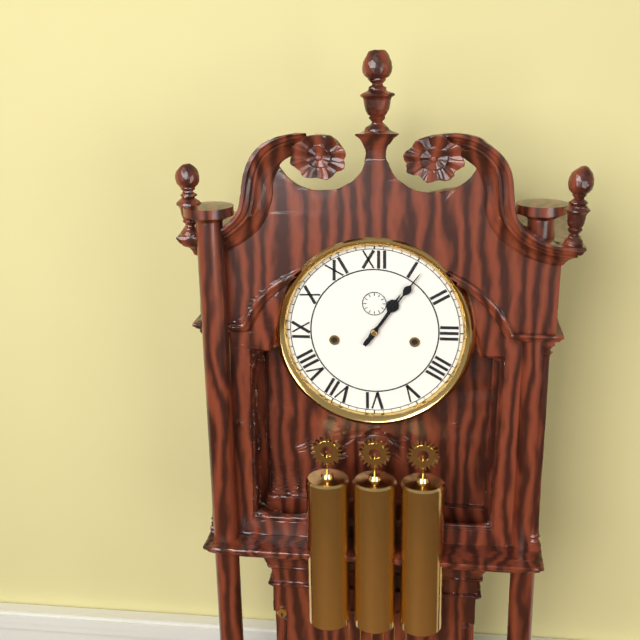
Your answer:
h=1 m=6
